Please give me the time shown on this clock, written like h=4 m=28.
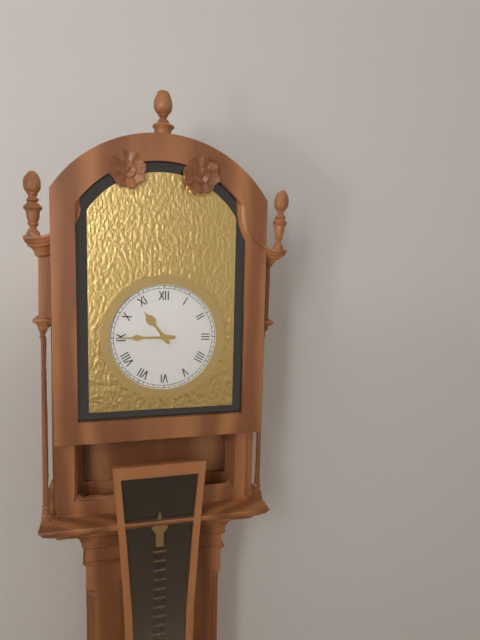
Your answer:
h=10 m=45
